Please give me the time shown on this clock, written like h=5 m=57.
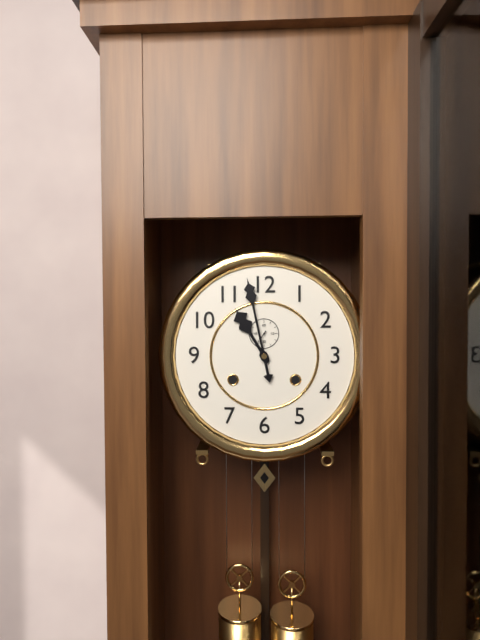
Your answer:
h=10 m=58
